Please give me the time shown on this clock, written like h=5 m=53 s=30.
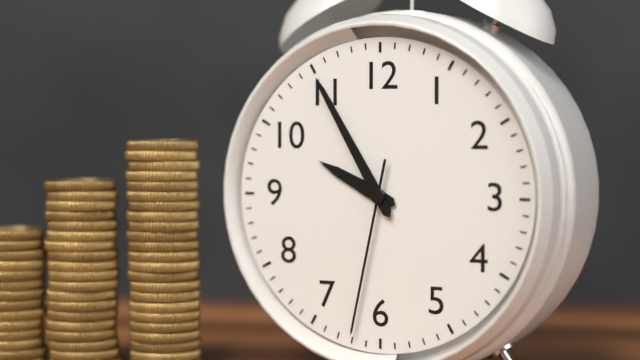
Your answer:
h=9 m=55 s=32
